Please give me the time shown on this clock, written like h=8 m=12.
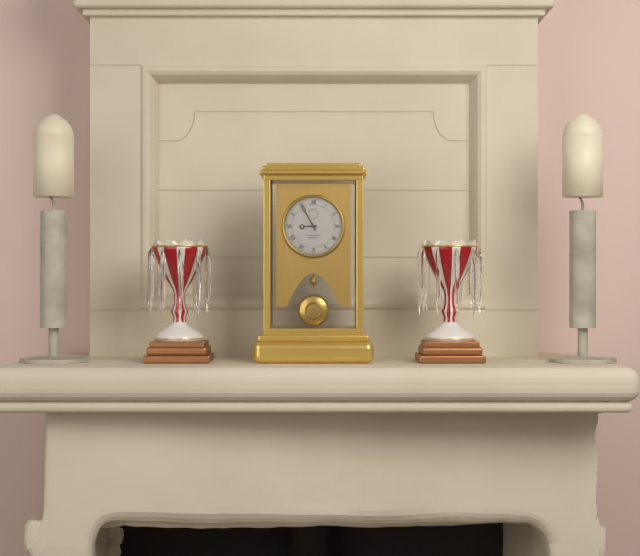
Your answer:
h=8 m=55
